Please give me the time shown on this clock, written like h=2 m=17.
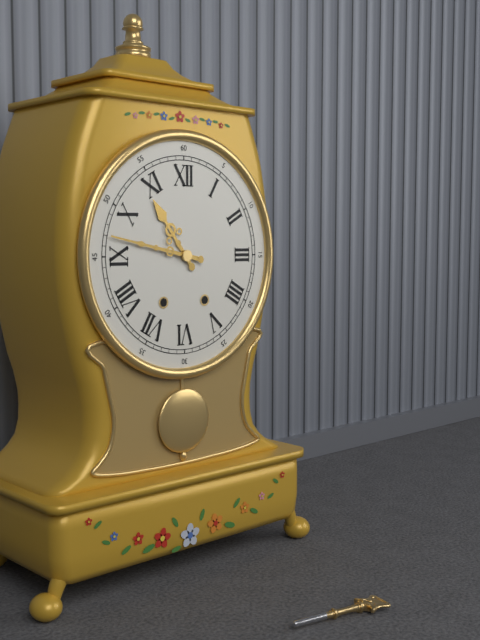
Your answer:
h=10 m=47
